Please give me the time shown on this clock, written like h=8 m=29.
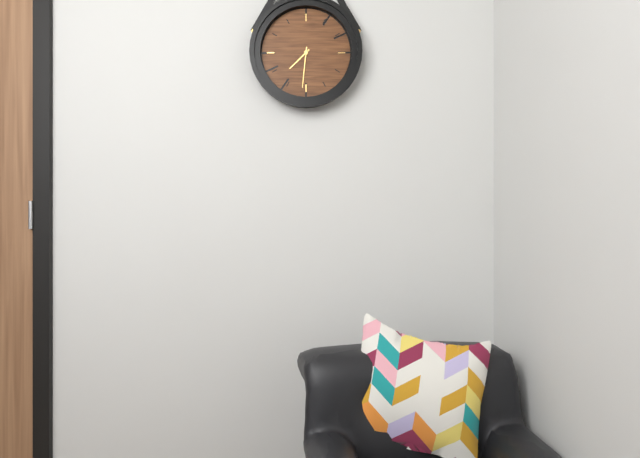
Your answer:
h=7 m=31
